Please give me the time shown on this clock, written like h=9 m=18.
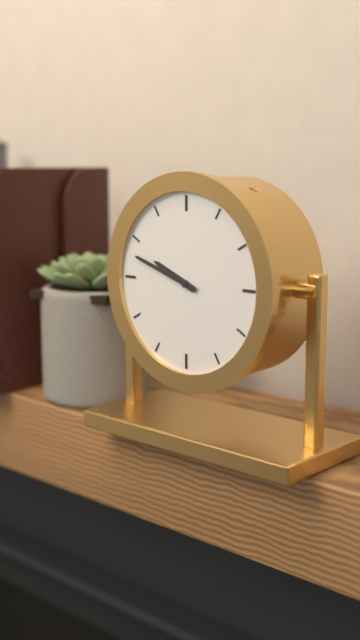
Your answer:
h=9 m=48
